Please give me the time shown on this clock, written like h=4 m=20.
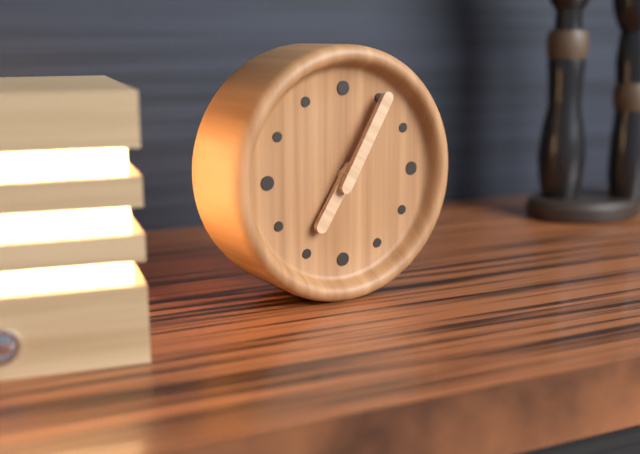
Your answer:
h=7 m=5
